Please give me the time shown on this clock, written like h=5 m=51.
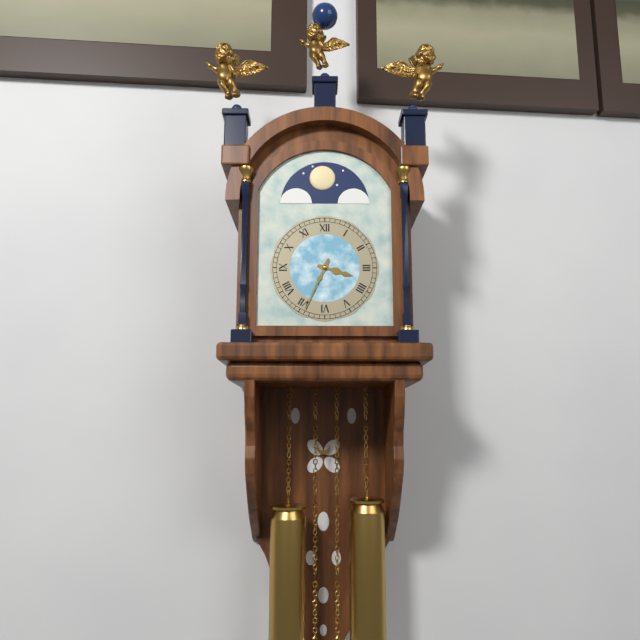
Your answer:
h=3 m=34
